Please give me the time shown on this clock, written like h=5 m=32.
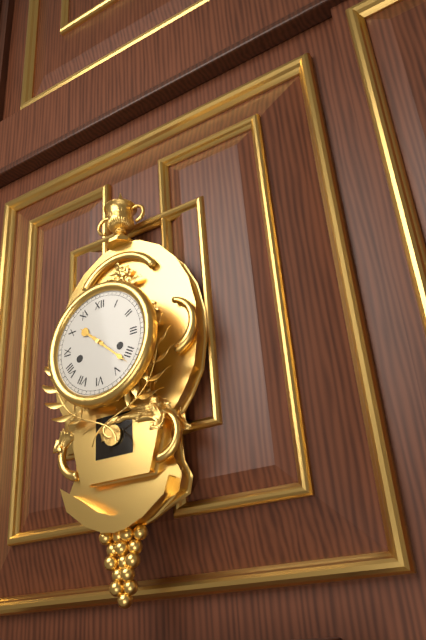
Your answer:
h=10 m=22
